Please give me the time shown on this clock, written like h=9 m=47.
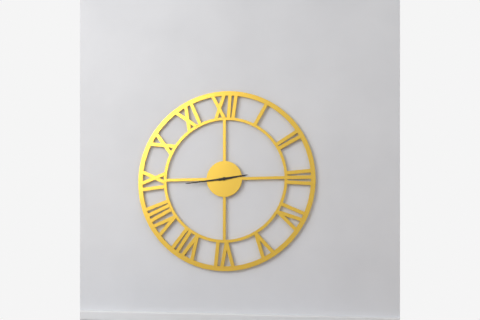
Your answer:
h=2 m=44
